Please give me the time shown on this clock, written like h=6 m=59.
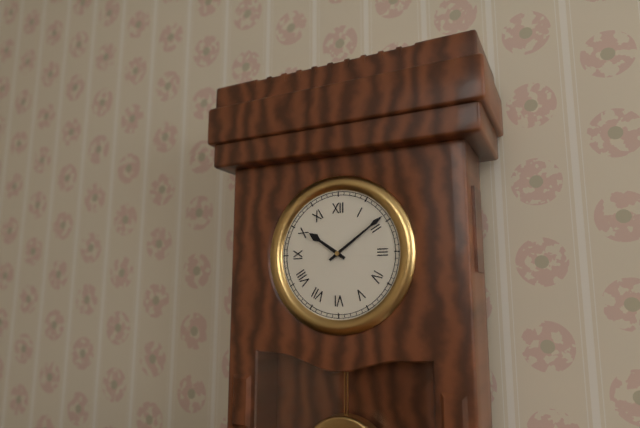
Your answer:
h=10 m=9
